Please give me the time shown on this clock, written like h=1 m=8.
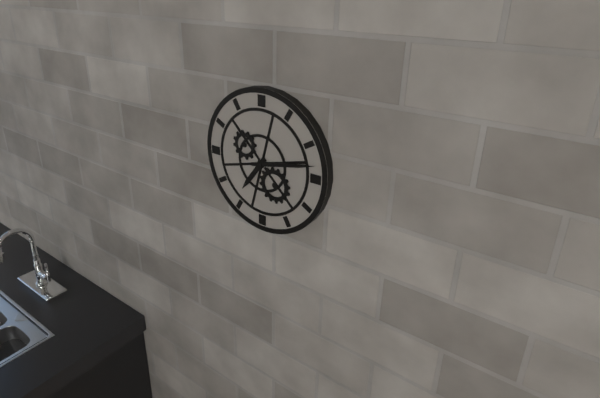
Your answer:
h=7 m=13
